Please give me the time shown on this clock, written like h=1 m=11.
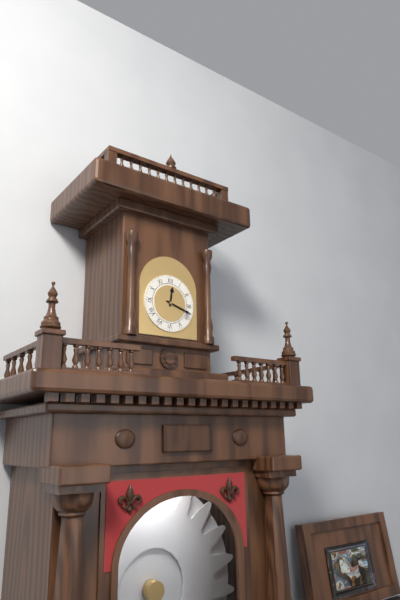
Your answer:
h=12 m=18
